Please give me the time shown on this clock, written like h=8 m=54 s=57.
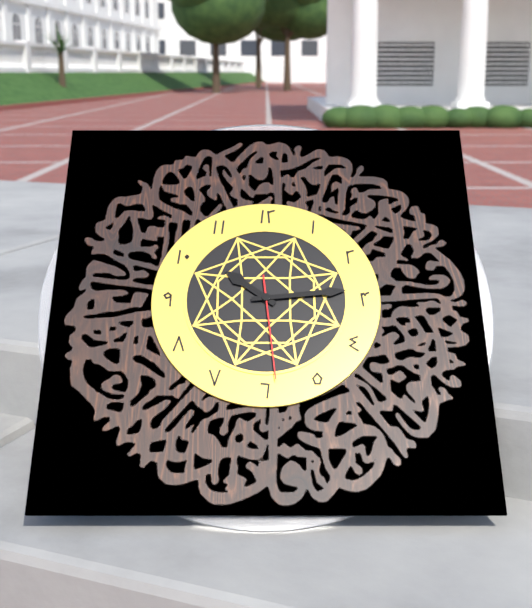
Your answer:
h=10 m=14 s=29
